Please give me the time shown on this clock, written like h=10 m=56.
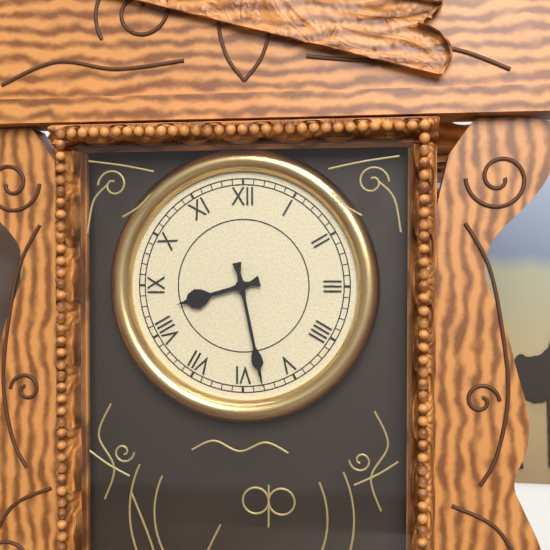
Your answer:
h=8 m=28
